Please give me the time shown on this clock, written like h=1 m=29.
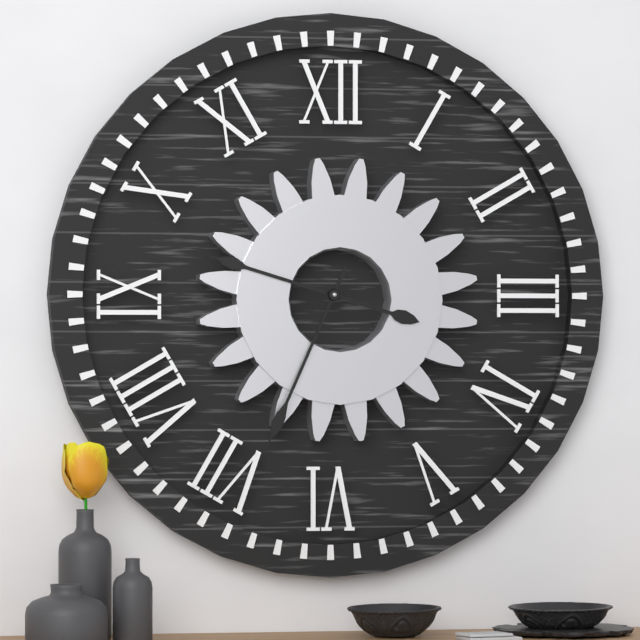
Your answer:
h=9 m=34
